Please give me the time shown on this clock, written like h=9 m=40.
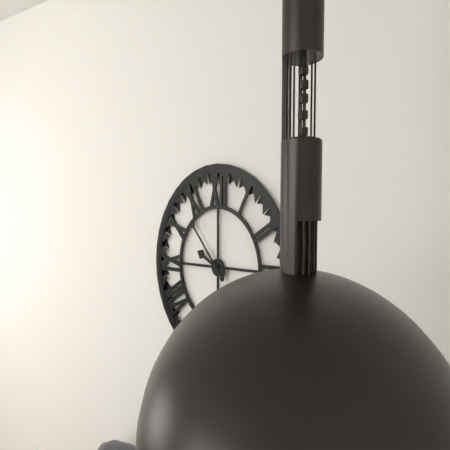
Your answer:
h=9 m=53
